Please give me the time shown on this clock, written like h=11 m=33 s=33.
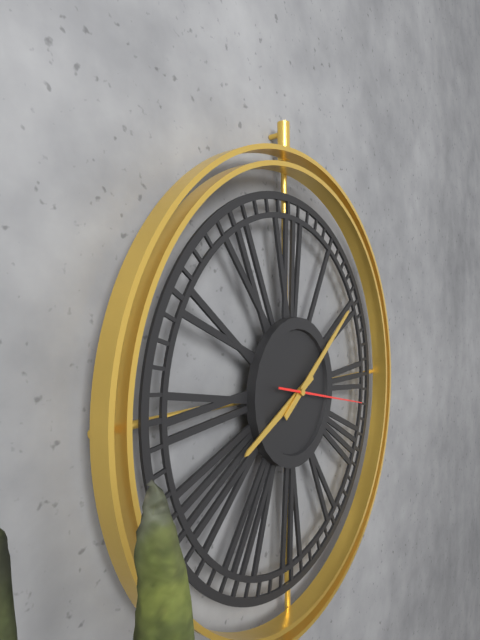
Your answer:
h=8 m=9 s=17
